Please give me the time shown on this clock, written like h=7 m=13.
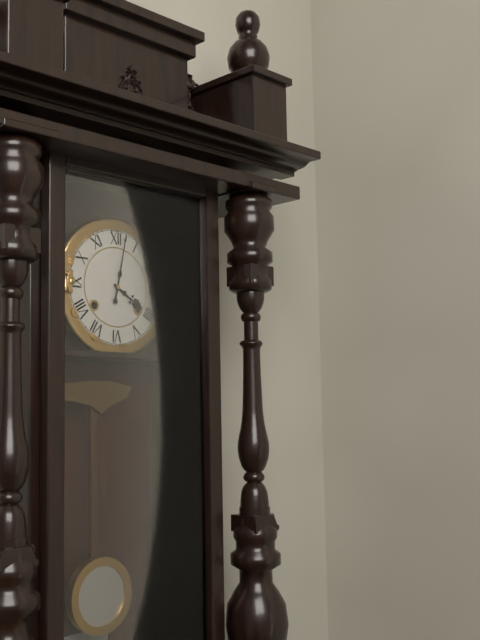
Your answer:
h=4 m=2
